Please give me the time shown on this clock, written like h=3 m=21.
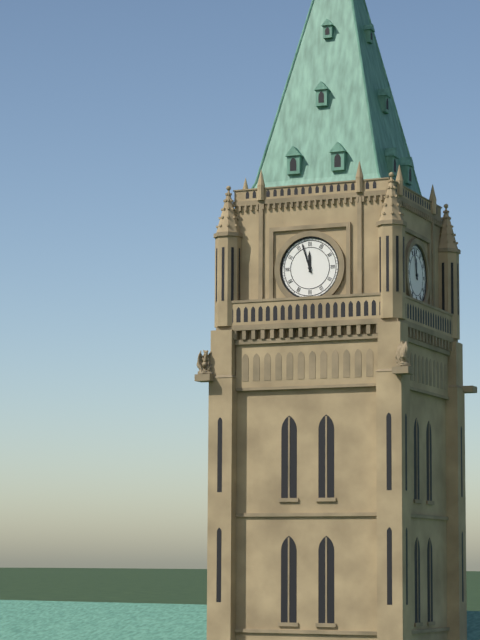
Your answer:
h=11 m=57
